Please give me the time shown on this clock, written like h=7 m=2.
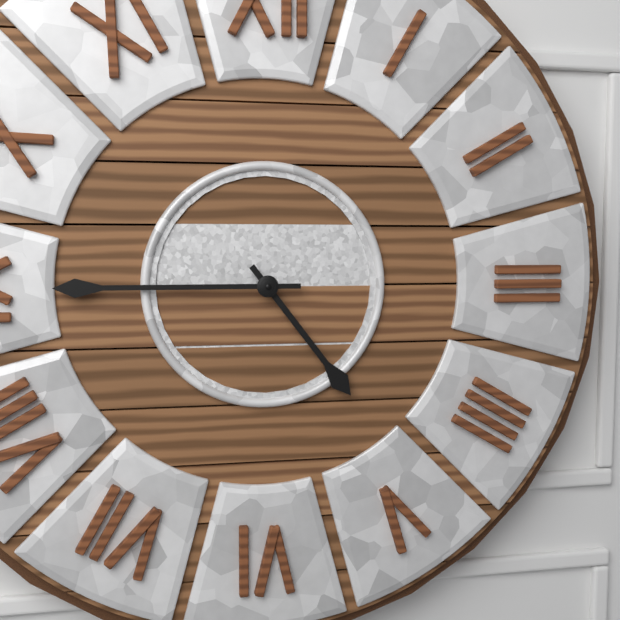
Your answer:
h=4 m=45
